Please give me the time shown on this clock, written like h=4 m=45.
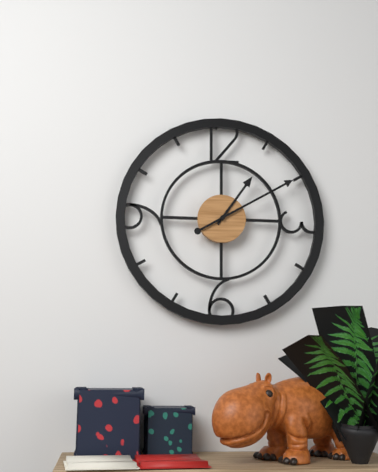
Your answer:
h=1 m=10
